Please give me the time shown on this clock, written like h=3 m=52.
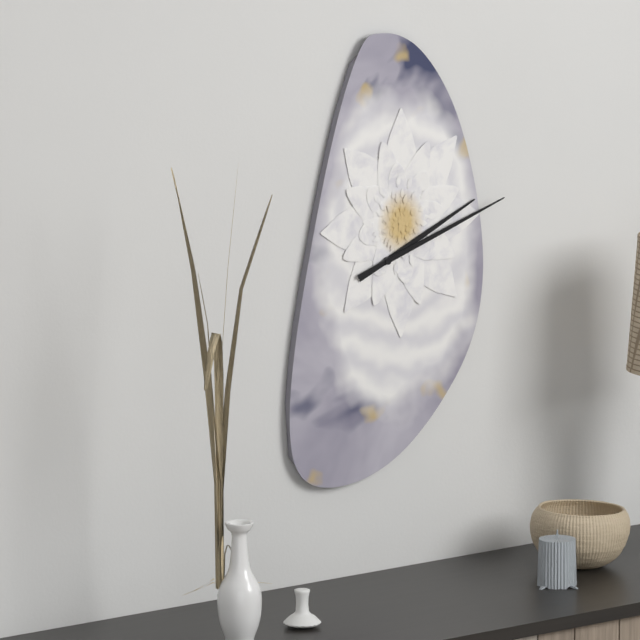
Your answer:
h=2 m=12
